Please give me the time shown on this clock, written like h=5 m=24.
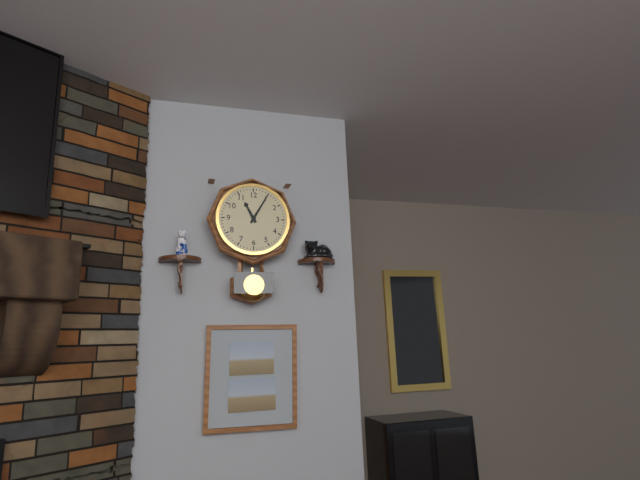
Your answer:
h=11 m=5
